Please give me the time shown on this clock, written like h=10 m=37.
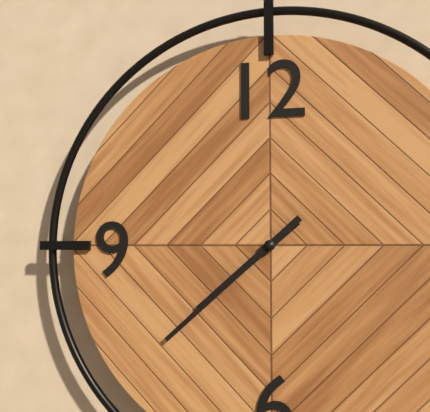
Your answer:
h=7 m=38
